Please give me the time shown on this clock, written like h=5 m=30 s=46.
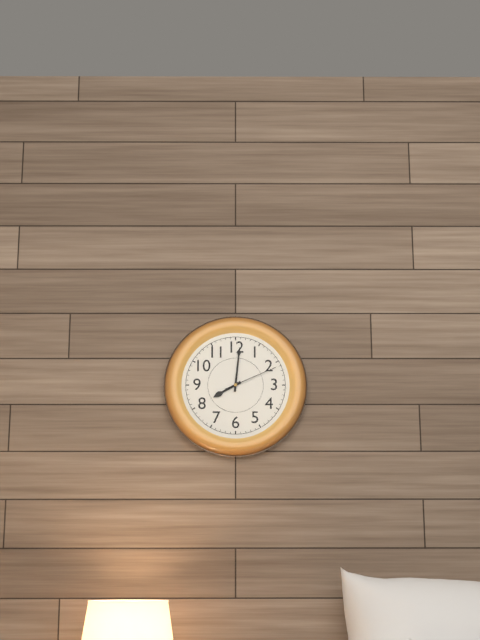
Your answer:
h=8 m=1 s=11
